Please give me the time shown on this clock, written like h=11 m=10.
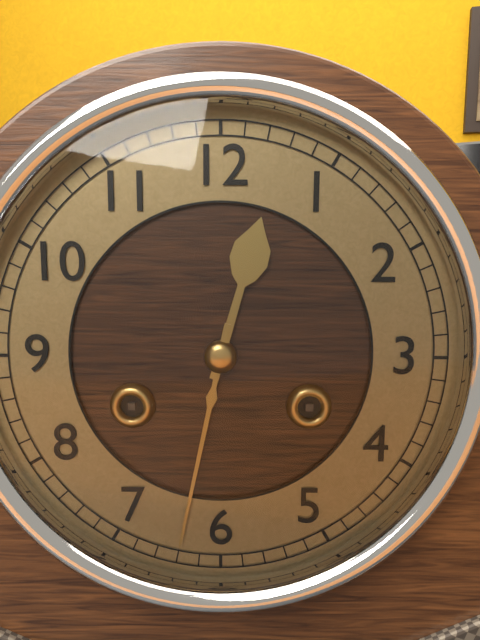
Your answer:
h=12 m=32
